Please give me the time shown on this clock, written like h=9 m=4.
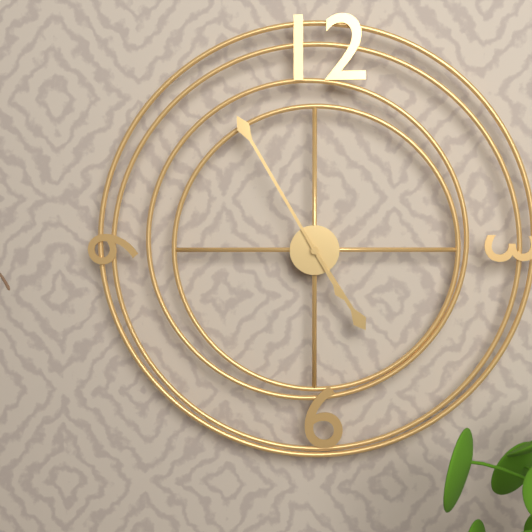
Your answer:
h=4 m=55
